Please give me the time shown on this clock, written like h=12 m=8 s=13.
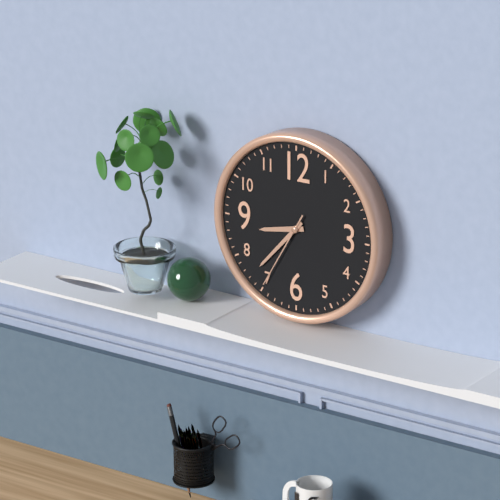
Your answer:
h=8 m=37 s=35
